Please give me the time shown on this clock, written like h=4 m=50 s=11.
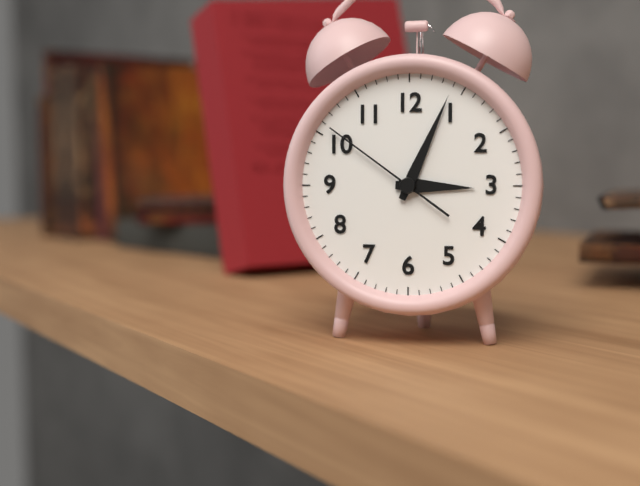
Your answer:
h=3 m=4 s=51
